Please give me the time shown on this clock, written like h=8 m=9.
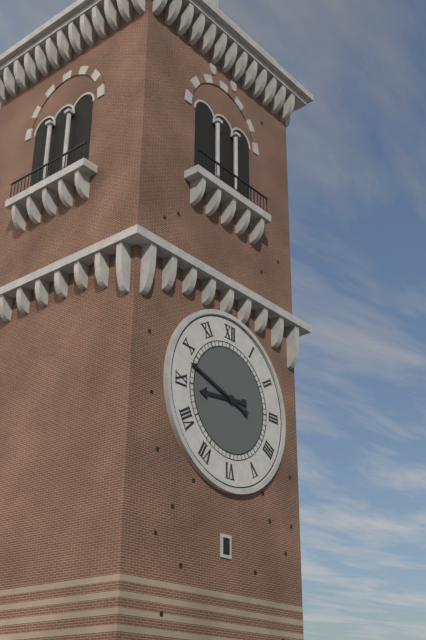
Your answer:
h=8 m=48
